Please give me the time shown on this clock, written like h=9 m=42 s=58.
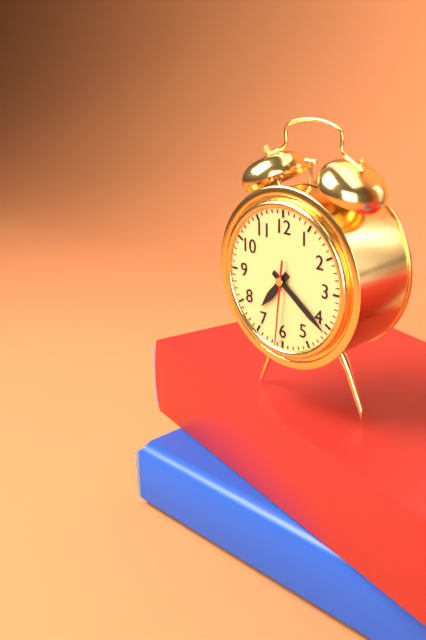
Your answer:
h=7 m=21 s=31
